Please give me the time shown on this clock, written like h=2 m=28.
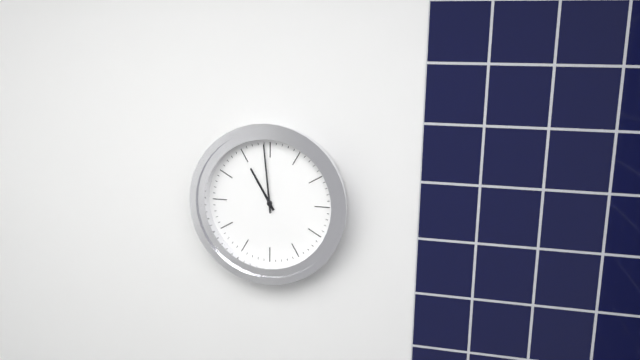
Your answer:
h=10 m=59
